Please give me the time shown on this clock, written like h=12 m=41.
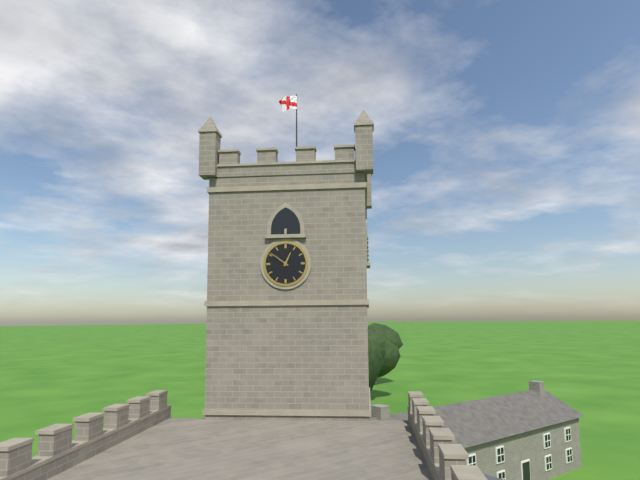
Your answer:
h=12 m=51
